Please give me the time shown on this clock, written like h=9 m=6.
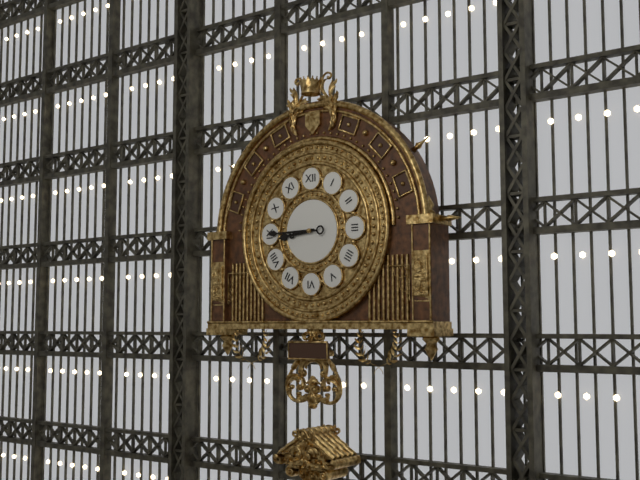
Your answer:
h=8 m=45
